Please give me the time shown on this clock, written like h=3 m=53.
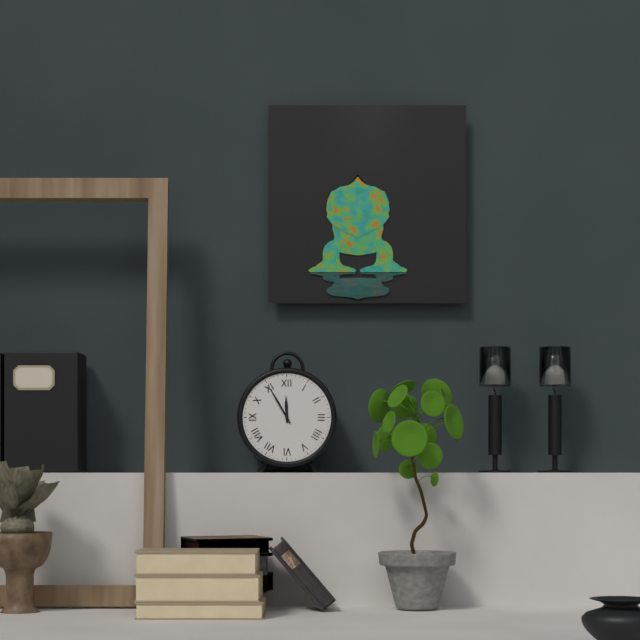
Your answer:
h=11 m=55
